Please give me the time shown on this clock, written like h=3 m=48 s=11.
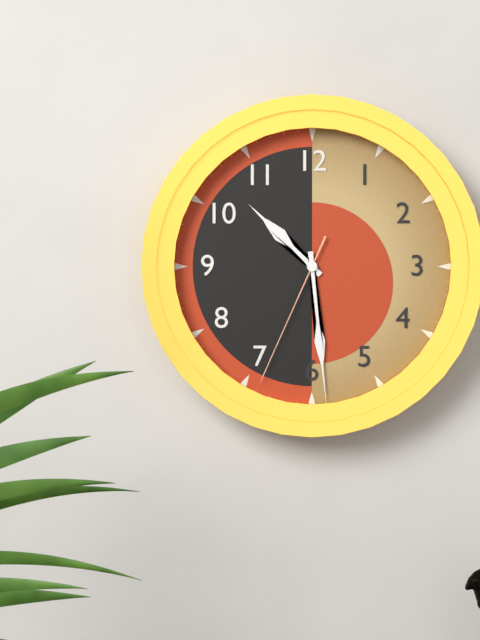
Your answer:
h=10 m=29 s=34
